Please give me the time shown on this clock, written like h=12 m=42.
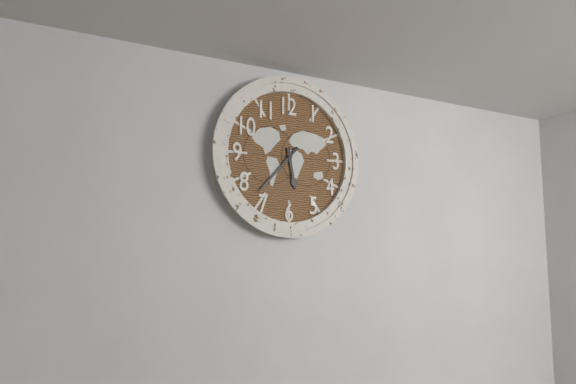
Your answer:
h=5 m=37
